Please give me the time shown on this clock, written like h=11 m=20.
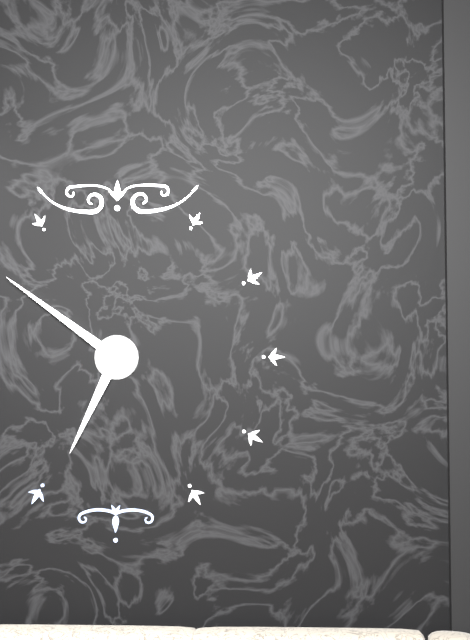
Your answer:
h=6 m=51
